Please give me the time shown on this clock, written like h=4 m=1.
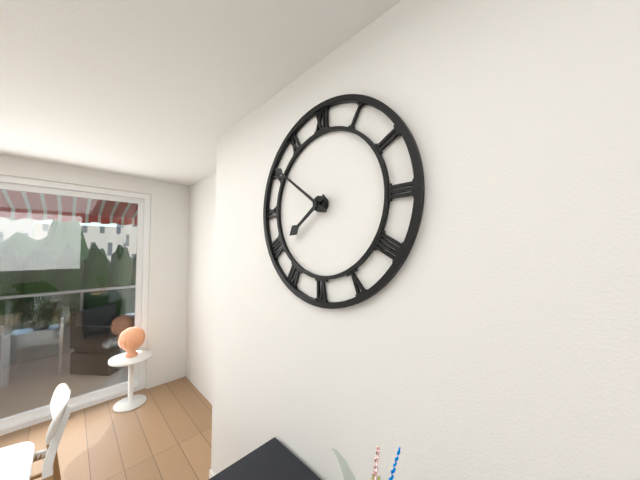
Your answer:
h=7 m=51
